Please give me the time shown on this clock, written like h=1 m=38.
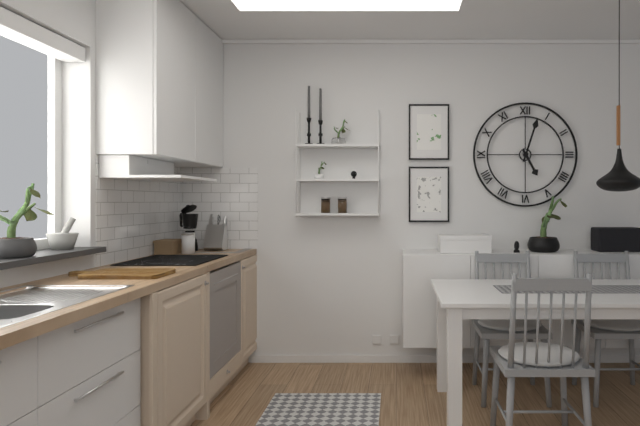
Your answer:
h=5 m=3
